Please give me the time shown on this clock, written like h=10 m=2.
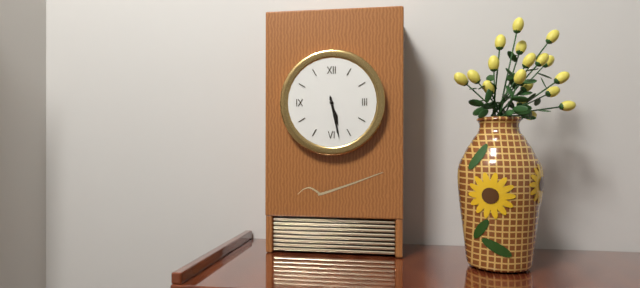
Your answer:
h=5 m=28
